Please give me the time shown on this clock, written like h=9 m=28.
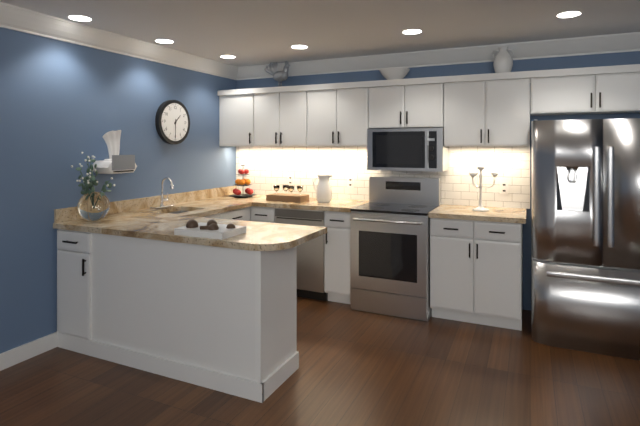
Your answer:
h=1 m=30
